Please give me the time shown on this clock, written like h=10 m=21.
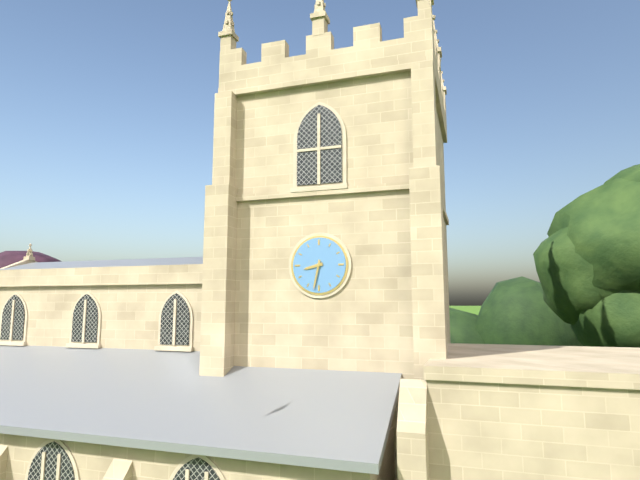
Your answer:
h=8 m=32
